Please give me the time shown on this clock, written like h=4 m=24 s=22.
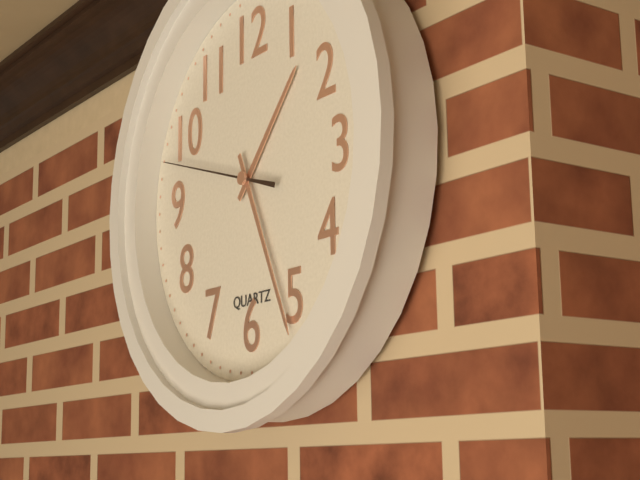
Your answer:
h=1 m=26 s=48
